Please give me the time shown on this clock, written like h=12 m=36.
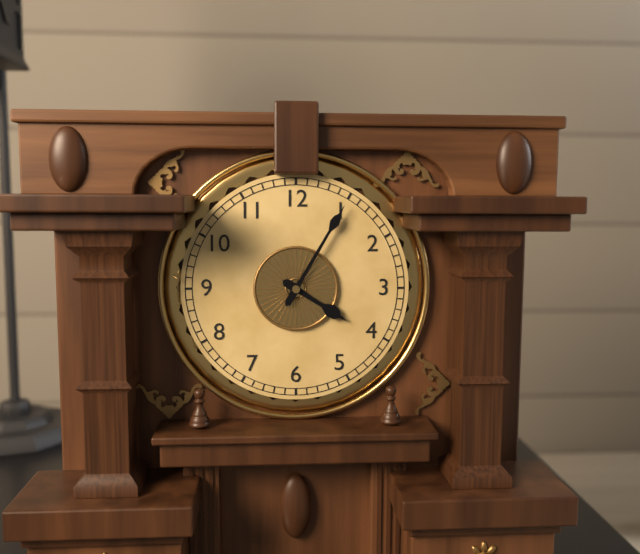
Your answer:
h=4 m=5
